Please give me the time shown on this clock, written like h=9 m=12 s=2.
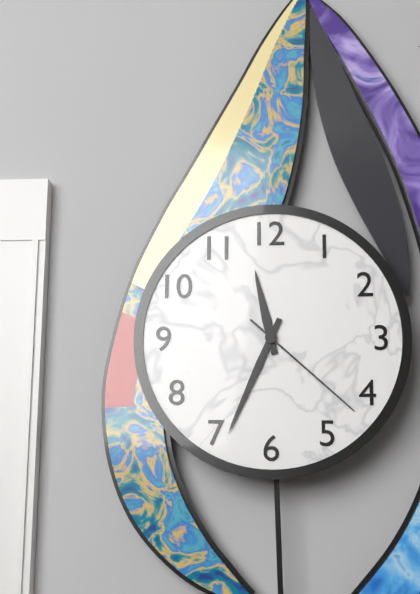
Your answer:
h=11 m=34 s=22
